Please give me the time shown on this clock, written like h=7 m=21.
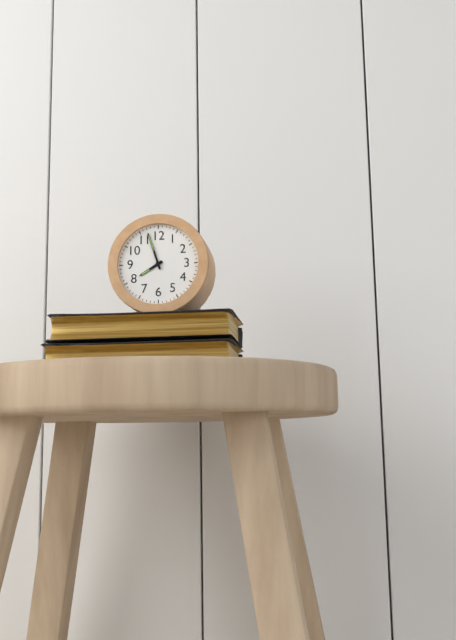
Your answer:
h=7 m=57
